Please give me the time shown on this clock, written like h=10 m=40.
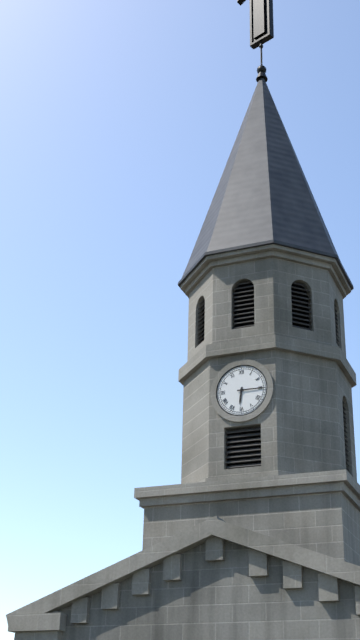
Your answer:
h=6 m=15
